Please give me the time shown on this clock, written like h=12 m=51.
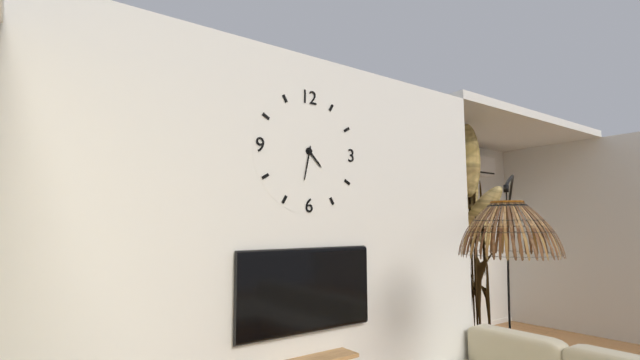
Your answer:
h=4 m=32
